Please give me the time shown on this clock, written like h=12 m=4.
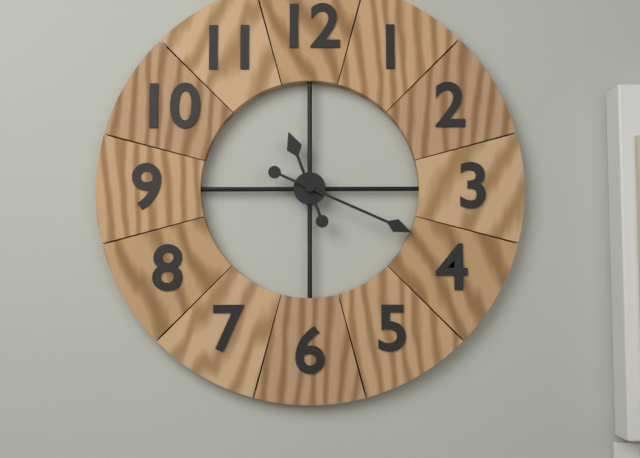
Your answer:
h=11 m=19
